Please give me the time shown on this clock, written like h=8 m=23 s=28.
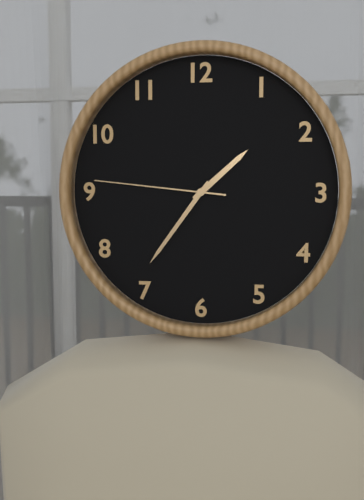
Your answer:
h=1 m=36 s=46
